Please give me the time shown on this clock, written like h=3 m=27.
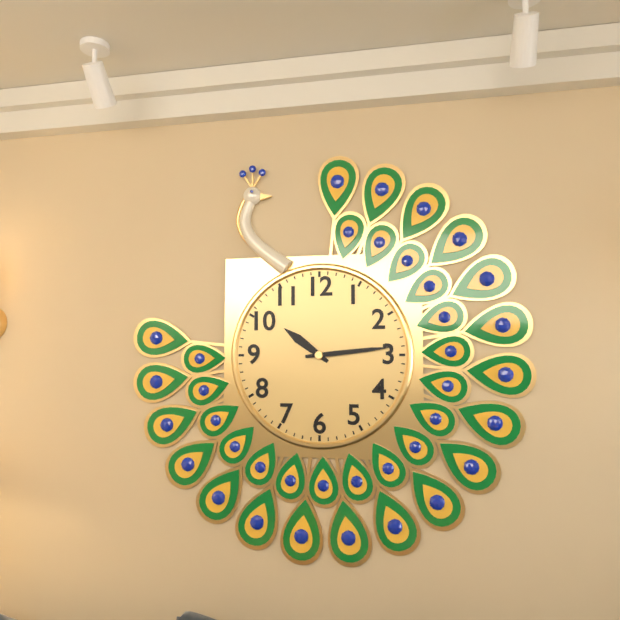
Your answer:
h=10 m=14
